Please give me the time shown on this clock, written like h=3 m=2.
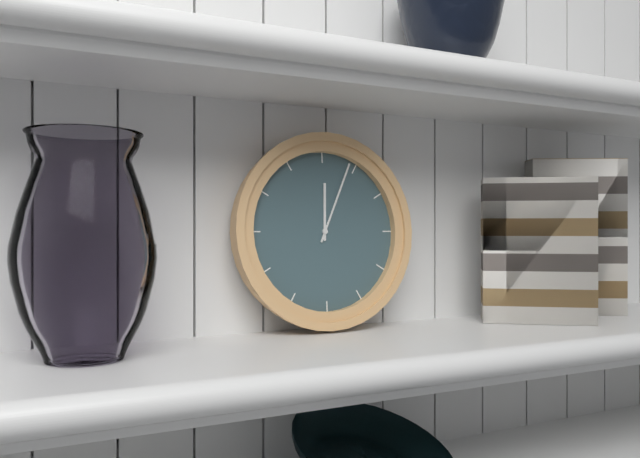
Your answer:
h=12 m=4
